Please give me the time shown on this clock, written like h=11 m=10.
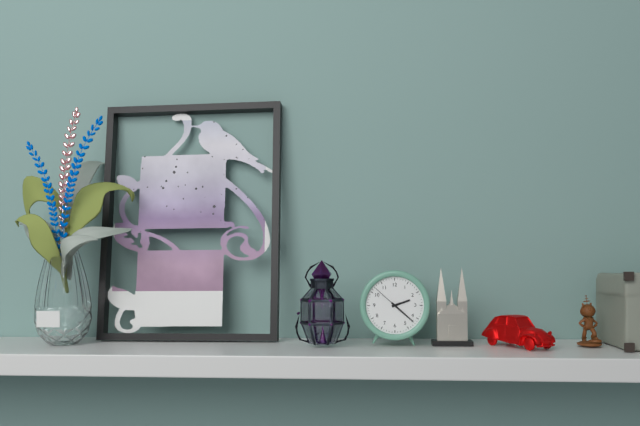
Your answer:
h=2 m=22
